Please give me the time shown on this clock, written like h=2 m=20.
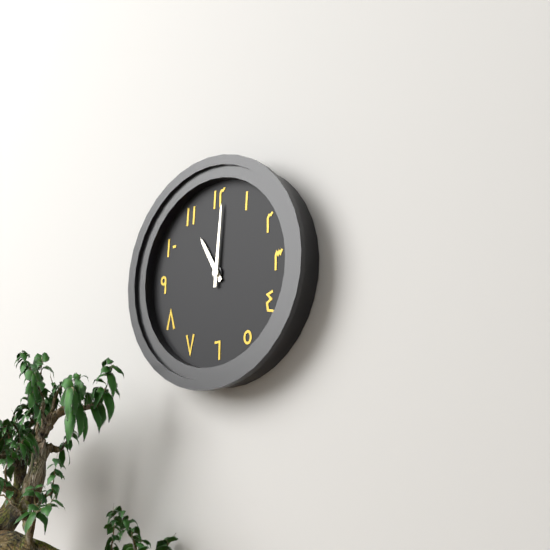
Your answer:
h=11 m=1
